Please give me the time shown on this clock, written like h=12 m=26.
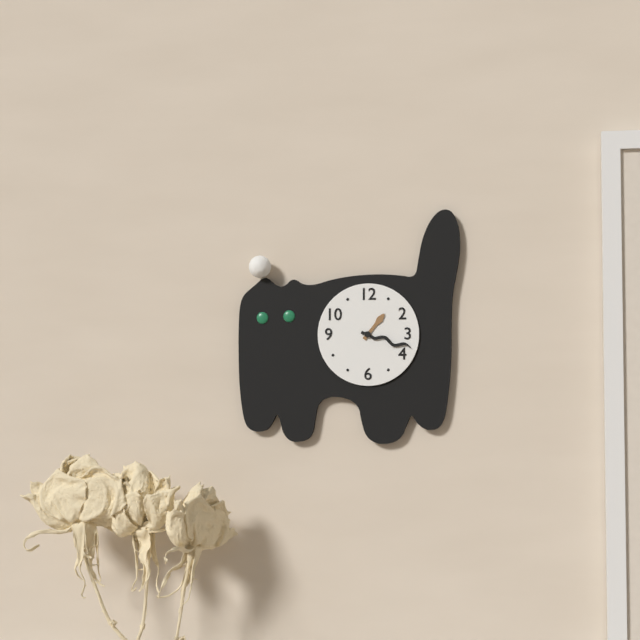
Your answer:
h=1 m=18
